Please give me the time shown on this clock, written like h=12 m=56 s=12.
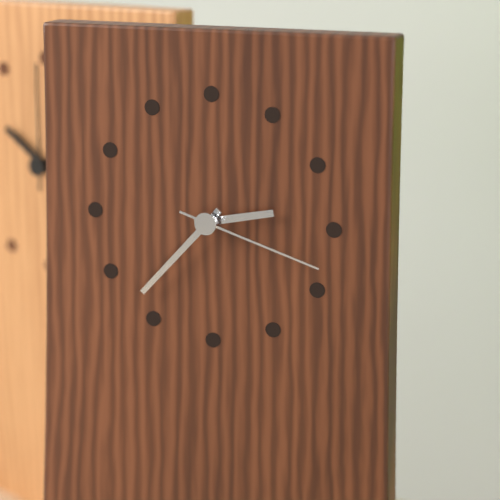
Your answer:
h=2 m=37 s=18
